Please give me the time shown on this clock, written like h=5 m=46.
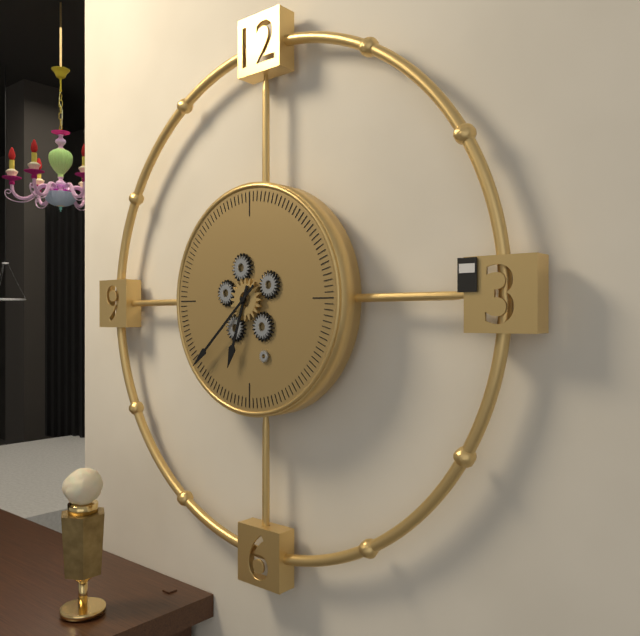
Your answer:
h=6 m=38
